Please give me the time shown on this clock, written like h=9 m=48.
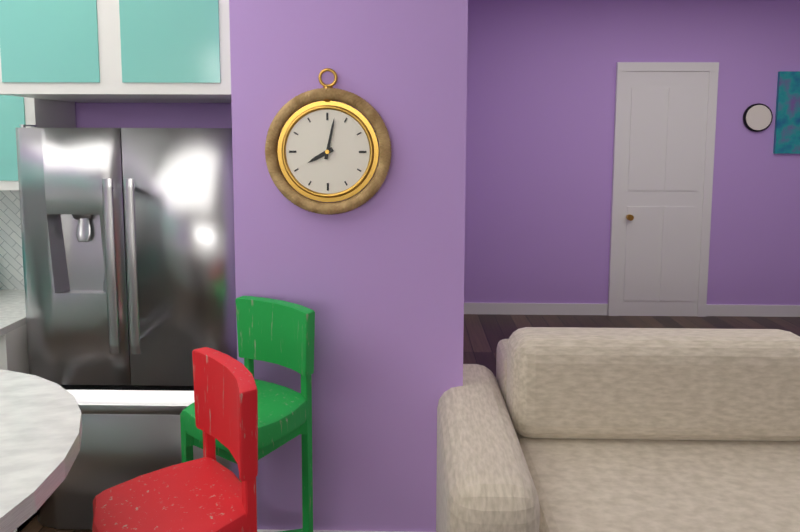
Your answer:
h=8 m=2
